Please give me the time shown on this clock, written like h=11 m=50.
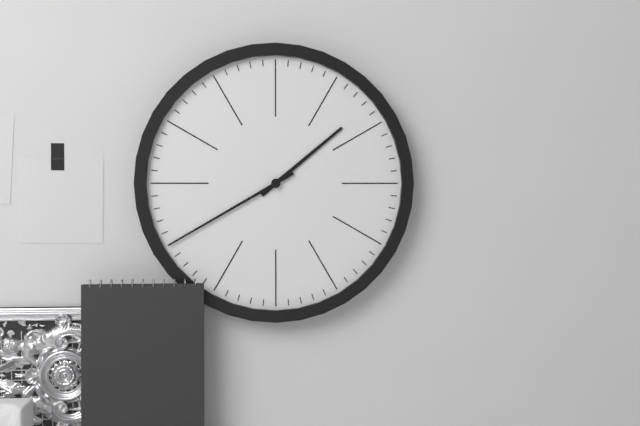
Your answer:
h=1 m=40
